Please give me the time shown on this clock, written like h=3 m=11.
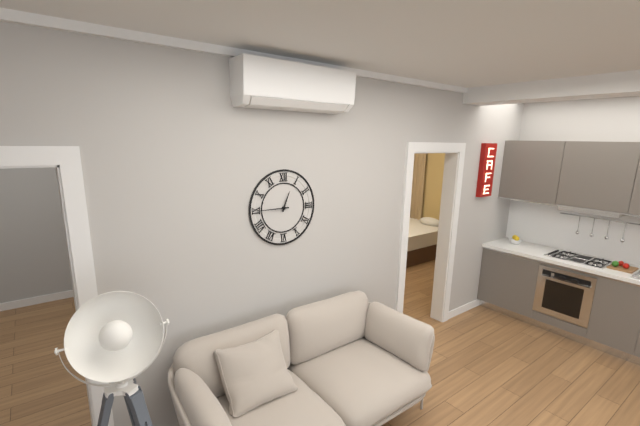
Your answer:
h=12 m=45
